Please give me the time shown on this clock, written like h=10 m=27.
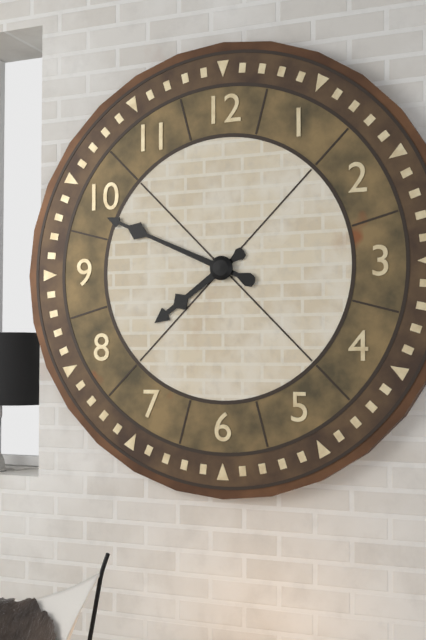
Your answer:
h=7 m=49
